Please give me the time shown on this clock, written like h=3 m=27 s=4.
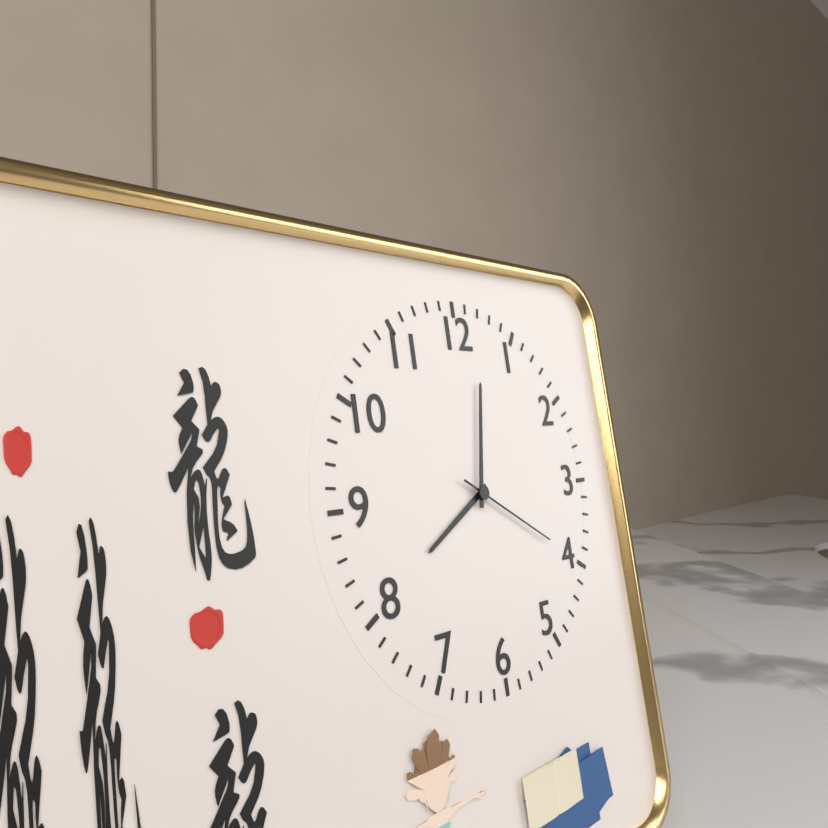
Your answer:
h=8 m=2 s=20
